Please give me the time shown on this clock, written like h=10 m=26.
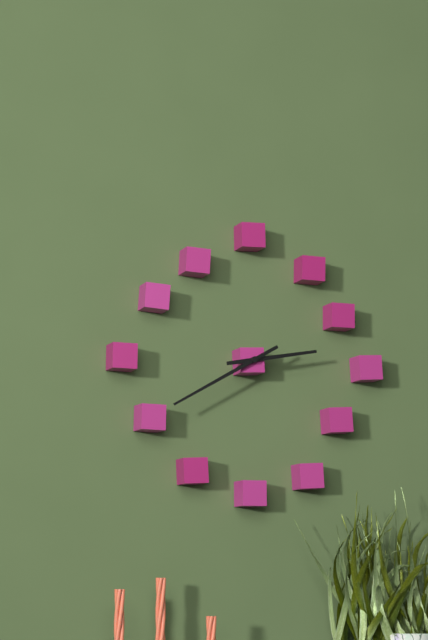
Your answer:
h=2 m=40
